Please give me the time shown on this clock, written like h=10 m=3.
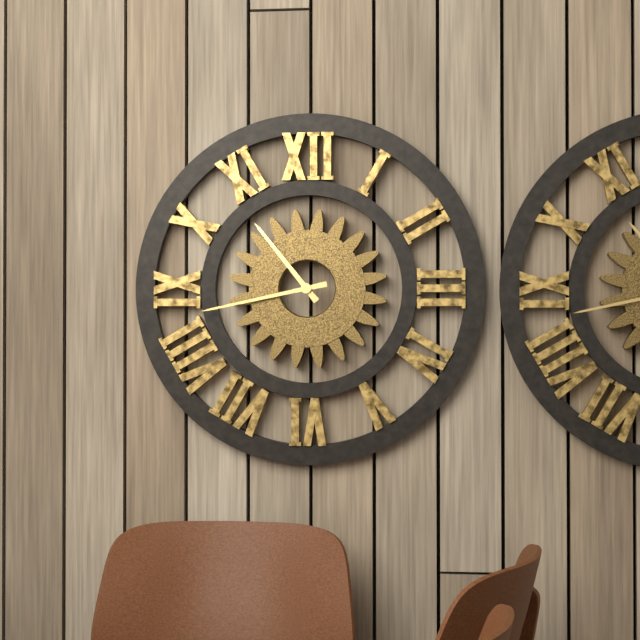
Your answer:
h=10 m=43
